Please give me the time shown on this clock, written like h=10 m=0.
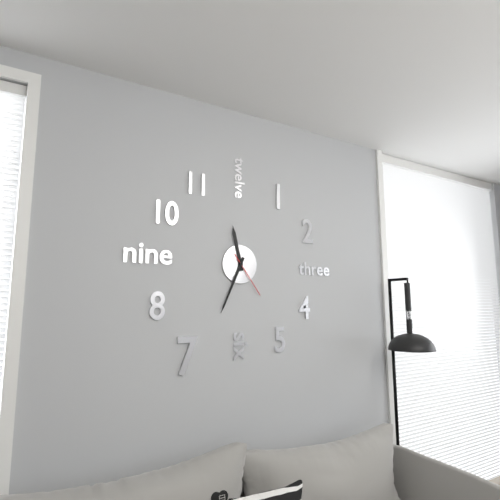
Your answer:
h=11 m=34
